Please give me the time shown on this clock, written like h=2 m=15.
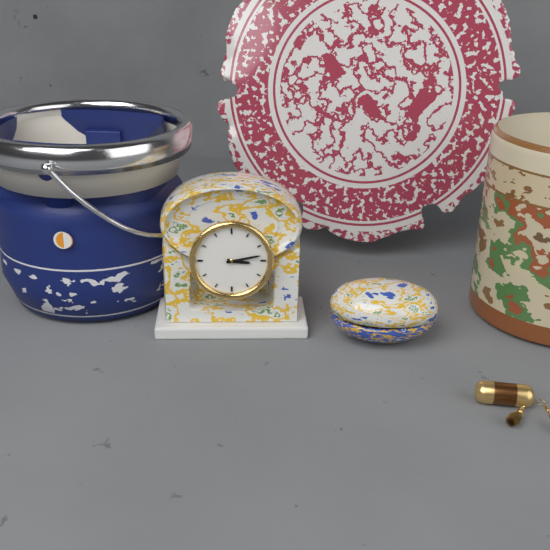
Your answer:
h=3 m=13
